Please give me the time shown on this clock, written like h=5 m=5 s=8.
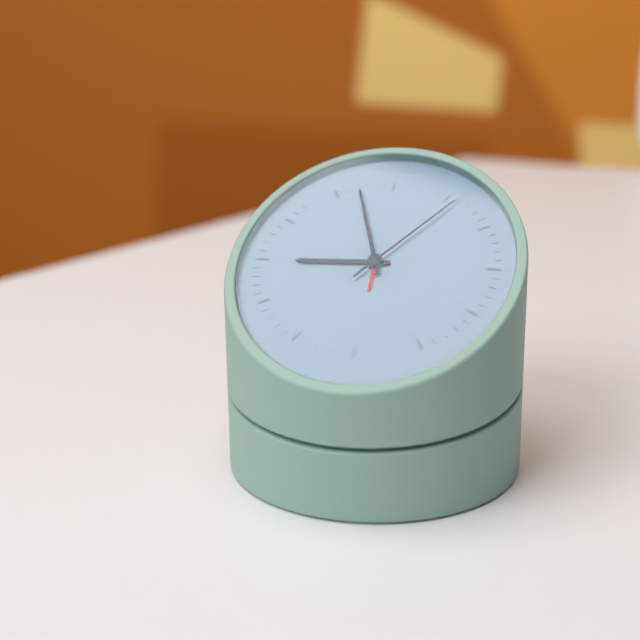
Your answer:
h=8 m=57 s=6
